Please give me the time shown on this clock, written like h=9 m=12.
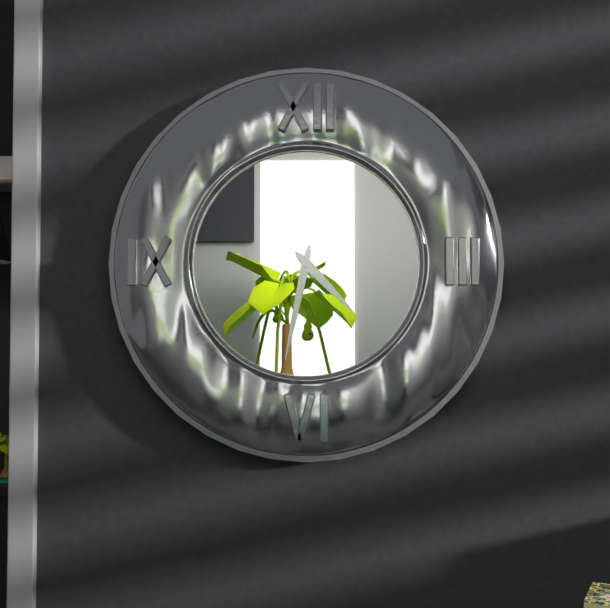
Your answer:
h=4 m=32
